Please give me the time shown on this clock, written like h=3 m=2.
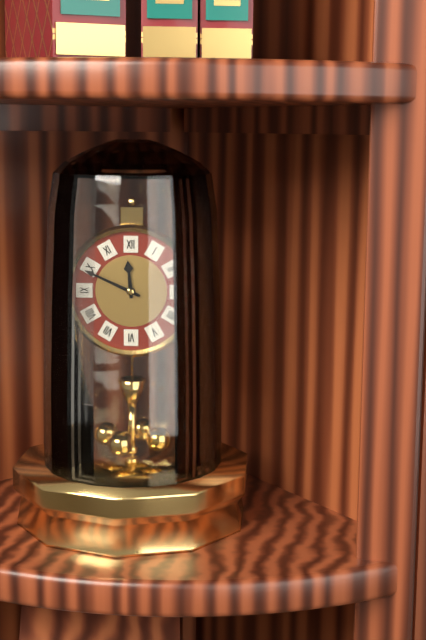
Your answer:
h=11 m=49
